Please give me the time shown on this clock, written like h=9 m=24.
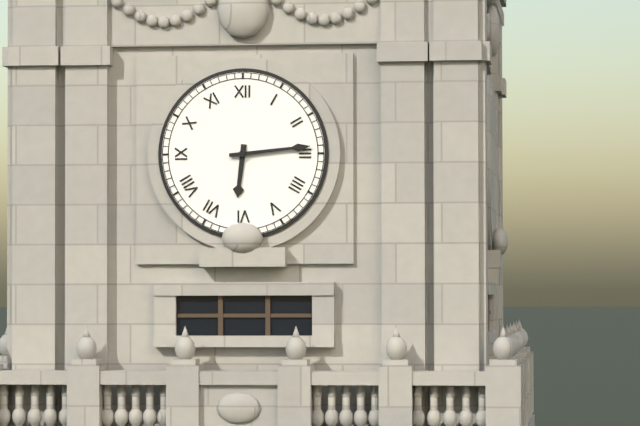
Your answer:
h=6 m=14
